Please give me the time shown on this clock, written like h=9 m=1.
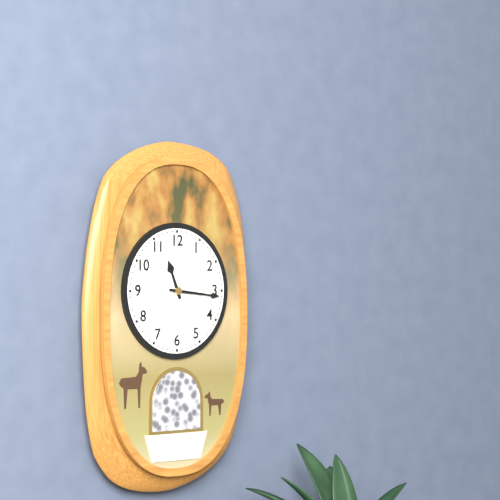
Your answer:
h=11 m=16
